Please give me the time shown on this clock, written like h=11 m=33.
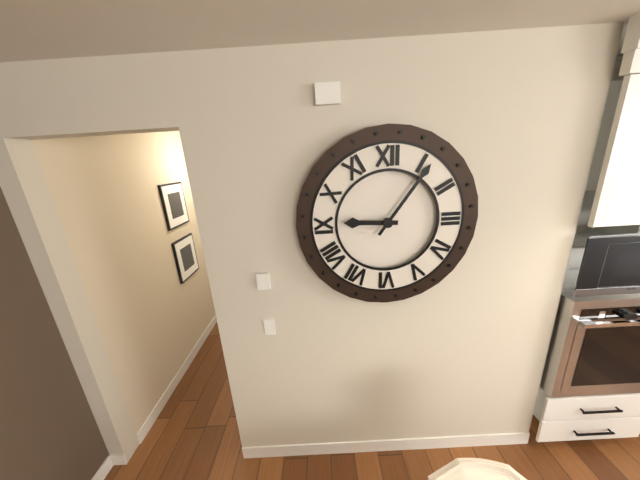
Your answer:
h=9 m=6
